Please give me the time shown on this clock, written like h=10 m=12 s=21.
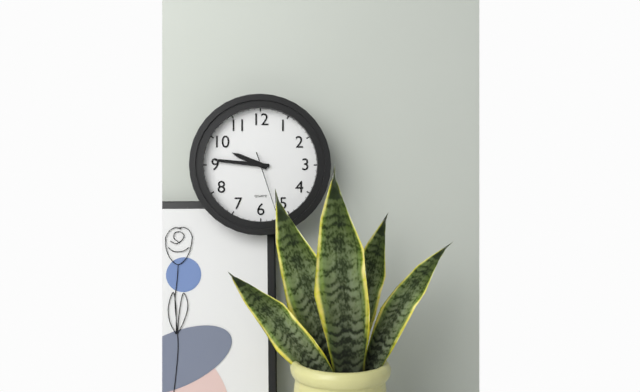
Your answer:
h=9 m=46 s=27
